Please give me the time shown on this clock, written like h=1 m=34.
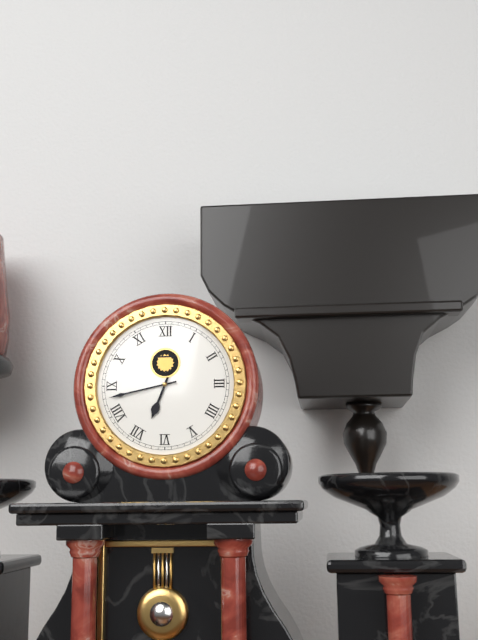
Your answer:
h=6 m=43
